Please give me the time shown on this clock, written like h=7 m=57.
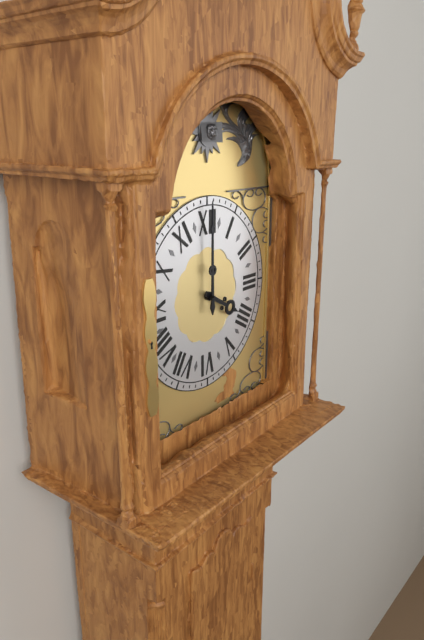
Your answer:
h=4 m=0
